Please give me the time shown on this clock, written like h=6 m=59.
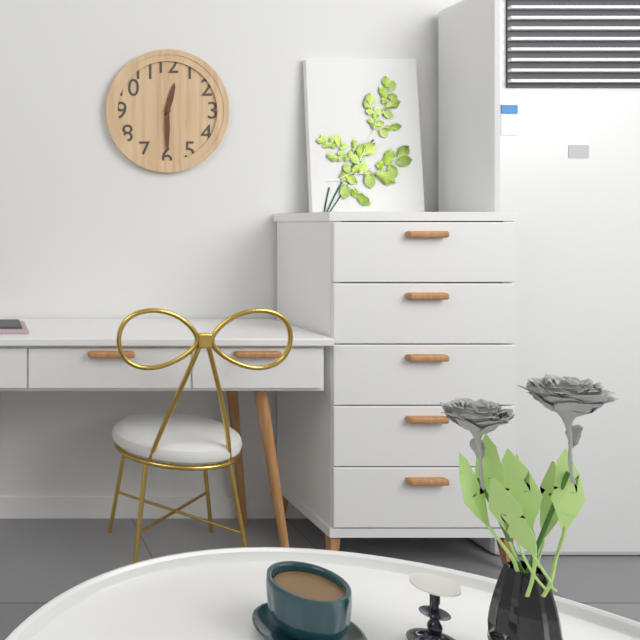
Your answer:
h=12 m=30
